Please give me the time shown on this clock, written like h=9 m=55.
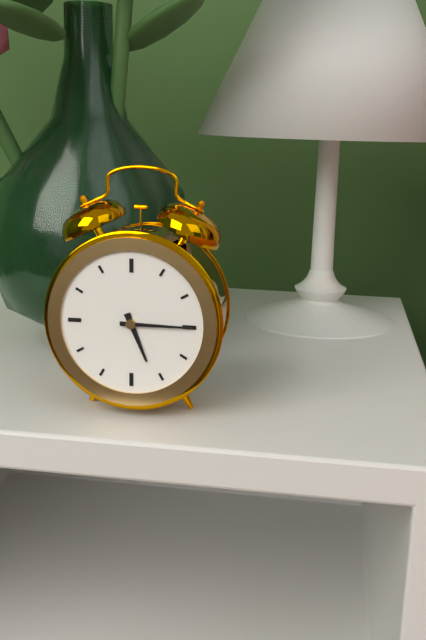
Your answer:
h=5 m=15
